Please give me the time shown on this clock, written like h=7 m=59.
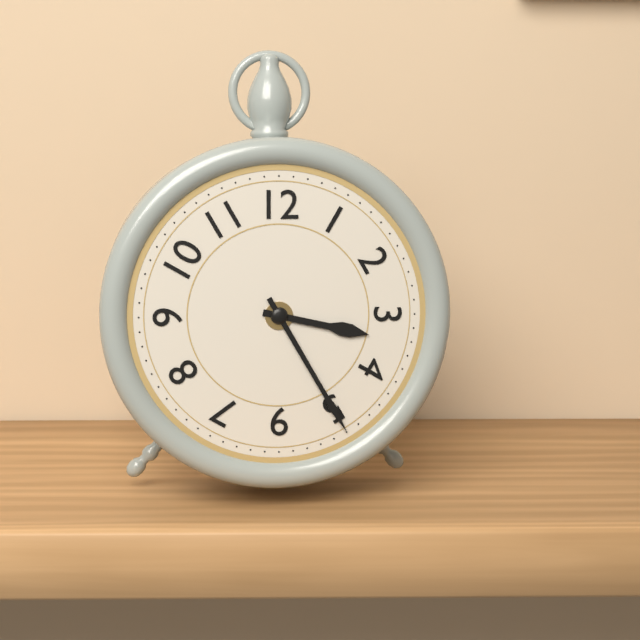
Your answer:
h=3 m=25
